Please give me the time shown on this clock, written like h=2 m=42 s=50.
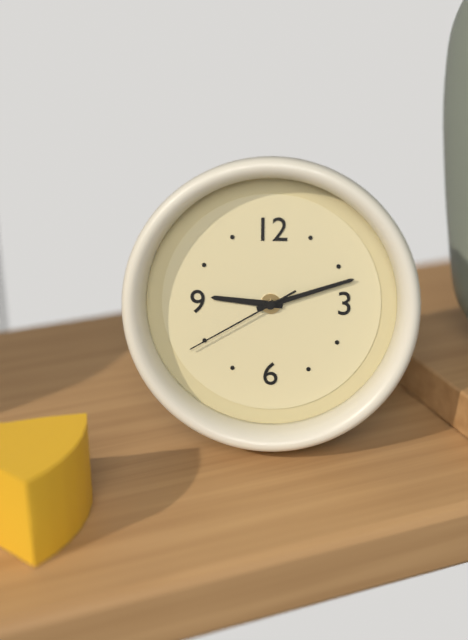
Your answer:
h=9 m=12 s=40
